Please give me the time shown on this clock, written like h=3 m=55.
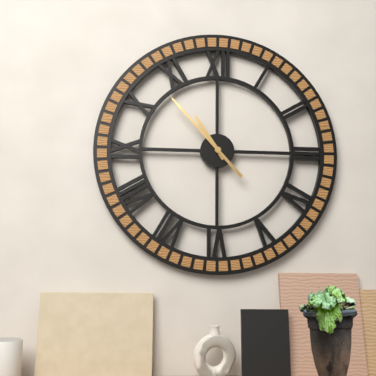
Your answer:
h=10 m=53
